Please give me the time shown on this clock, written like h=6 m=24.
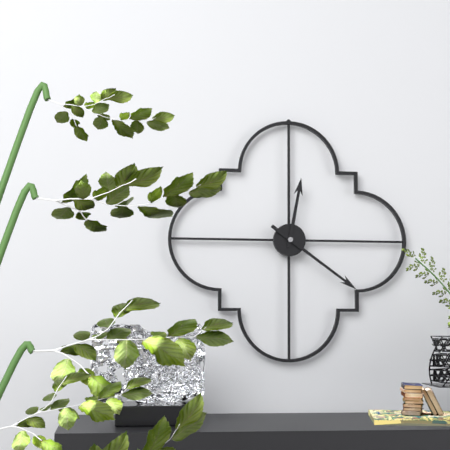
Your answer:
h=12 m=21
